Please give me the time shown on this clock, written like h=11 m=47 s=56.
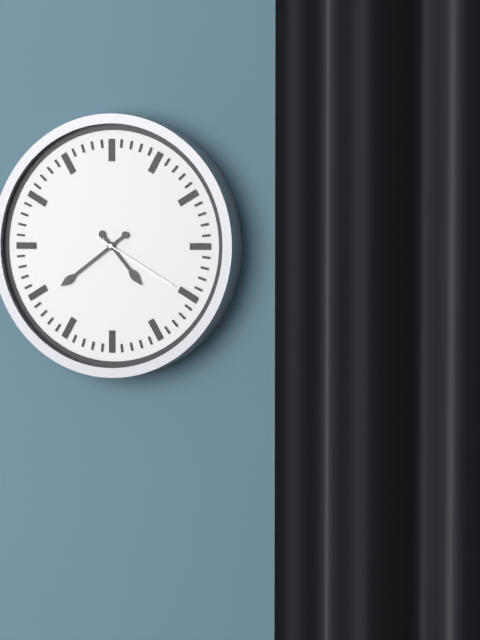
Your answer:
h=4 m=39 s=20
